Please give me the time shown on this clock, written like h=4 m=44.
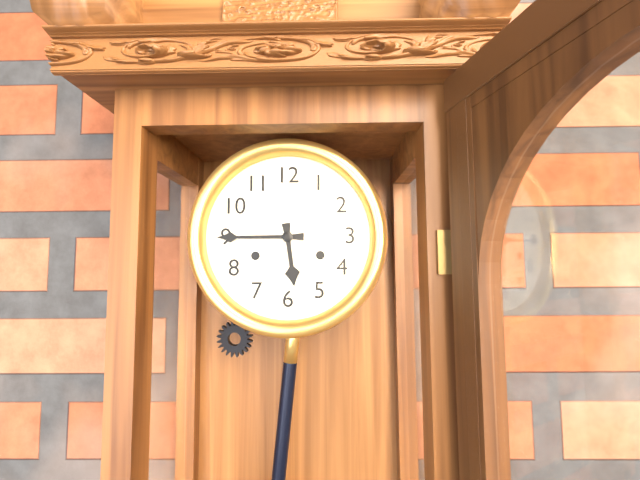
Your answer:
h=5 m=45
